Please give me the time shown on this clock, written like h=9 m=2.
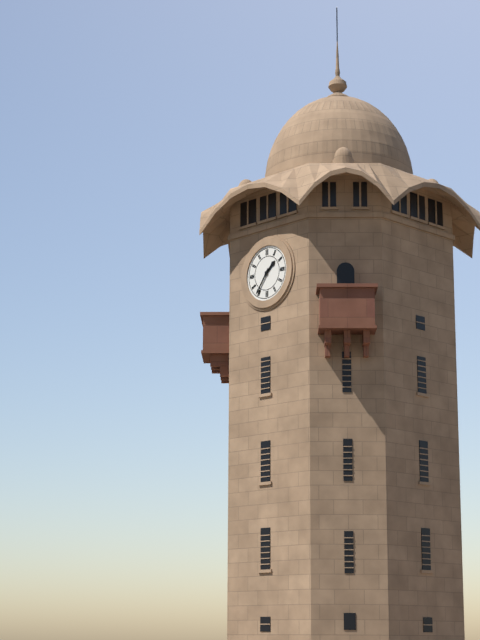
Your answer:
h=1 m=36
